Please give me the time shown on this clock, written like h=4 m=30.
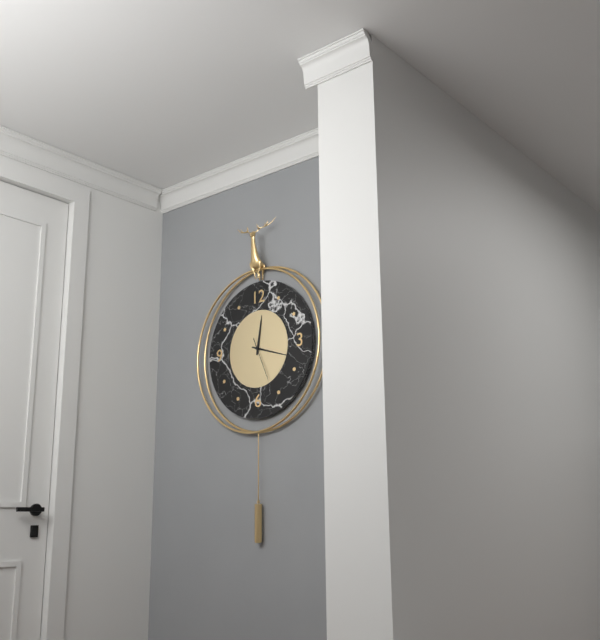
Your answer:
h=12 m=18
